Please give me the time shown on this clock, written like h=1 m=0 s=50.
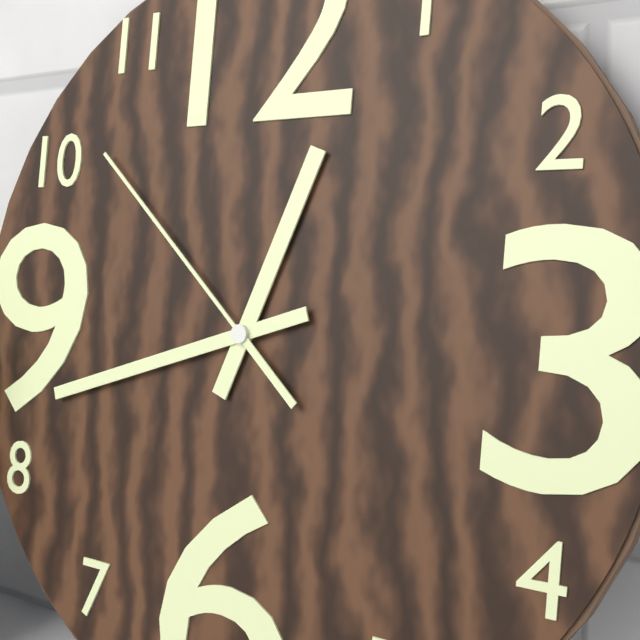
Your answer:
h=12 m=42 s=52
